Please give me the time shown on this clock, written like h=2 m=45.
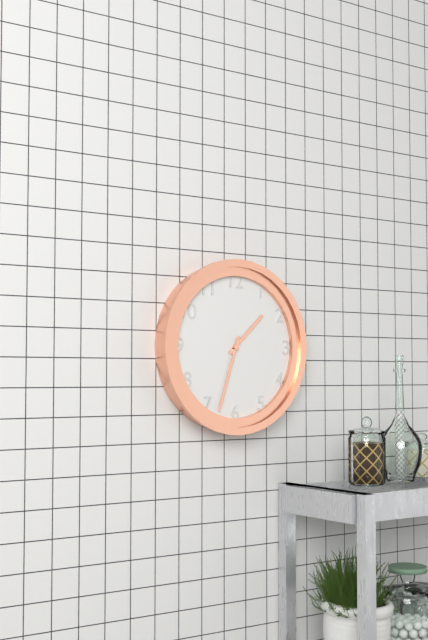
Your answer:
h=1 m=33
